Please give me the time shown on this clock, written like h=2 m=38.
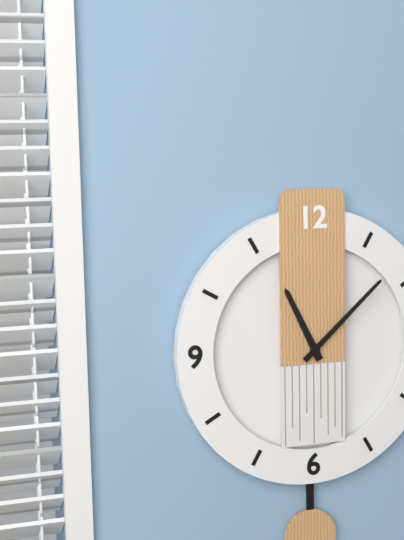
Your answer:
h=11 m=8
